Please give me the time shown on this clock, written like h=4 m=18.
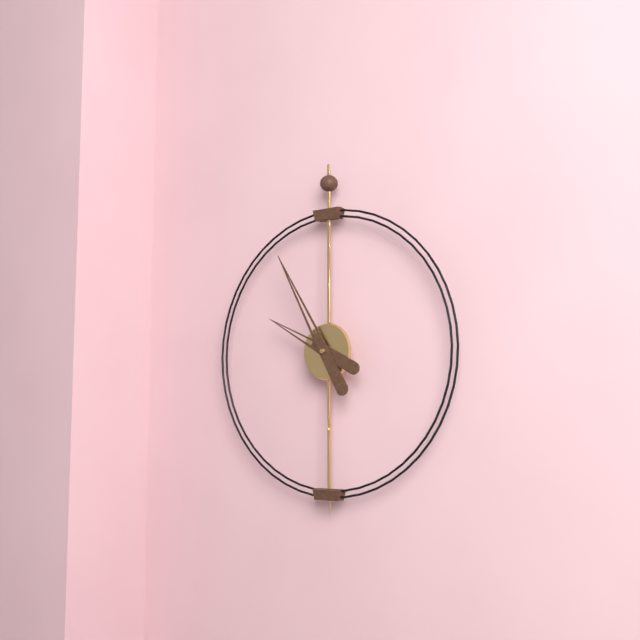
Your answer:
h=9 m=55
